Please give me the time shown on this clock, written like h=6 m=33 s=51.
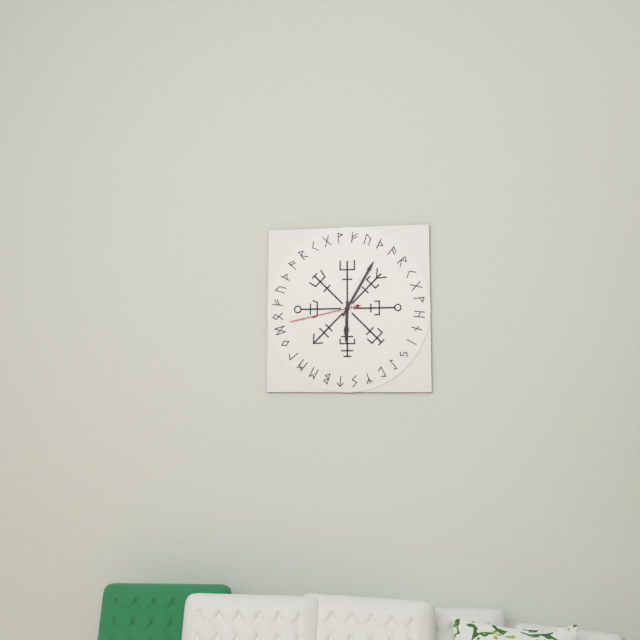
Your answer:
h=6 m=5 s=43
